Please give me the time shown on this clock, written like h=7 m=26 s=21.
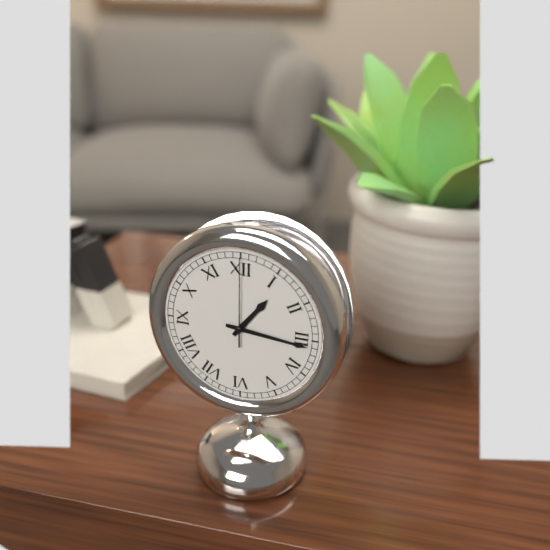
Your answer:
h=1 m=16 s=0
